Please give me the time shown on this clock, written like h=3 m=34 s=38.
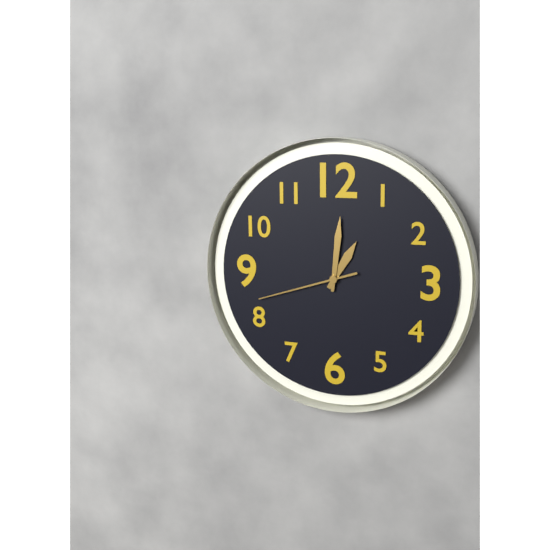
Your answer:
h=1 m=1 s=42
